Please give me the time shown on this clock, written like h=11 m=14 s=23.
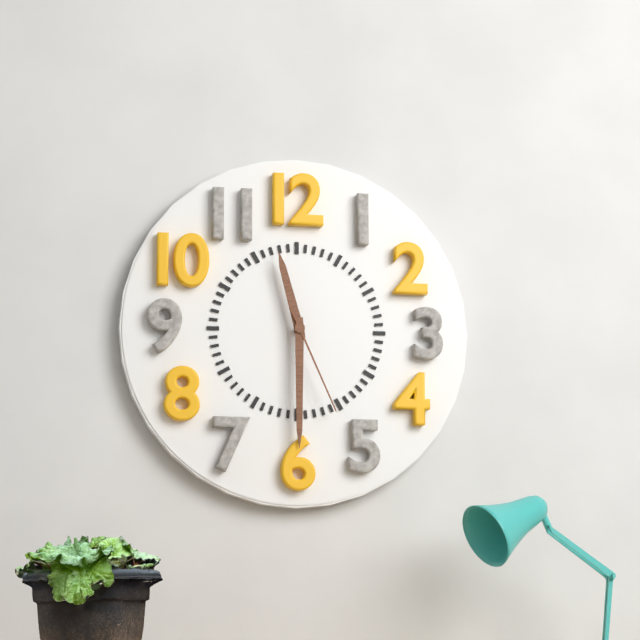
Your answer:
h=11 m=30 s=26
